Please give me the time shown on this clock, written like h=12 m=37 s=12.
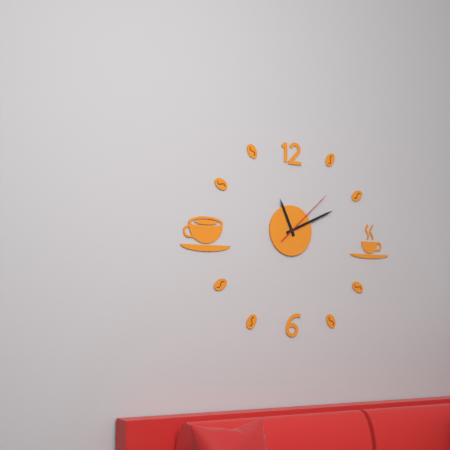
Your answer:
h=11 m=11 s=8
